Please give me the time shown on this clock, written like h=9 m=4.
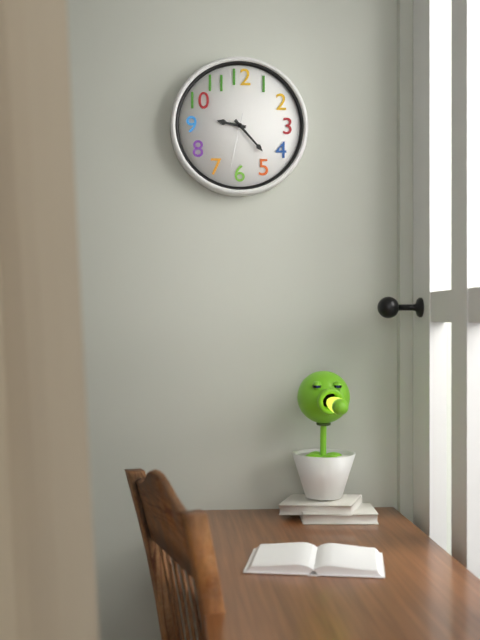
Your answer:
h=9 m=23
